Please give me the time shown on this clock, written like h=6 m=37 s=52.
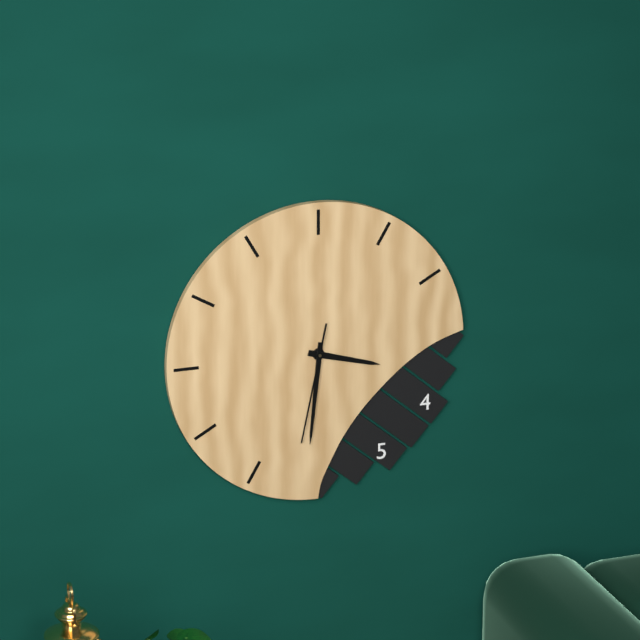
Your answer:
h=3 m=31 s=32
